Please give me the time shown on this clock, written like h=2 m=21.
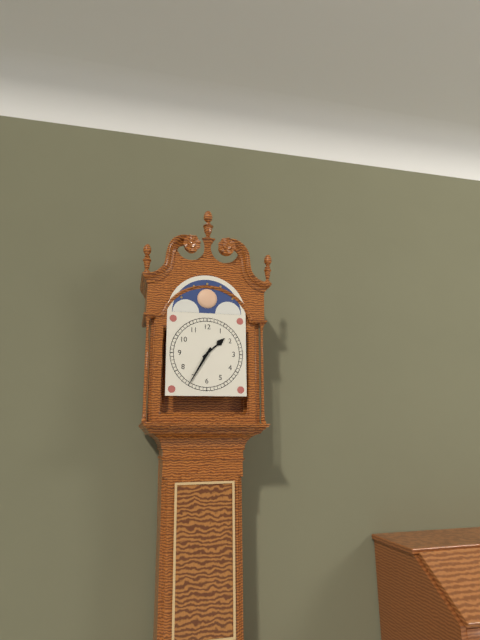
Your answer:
h=1 m=35
